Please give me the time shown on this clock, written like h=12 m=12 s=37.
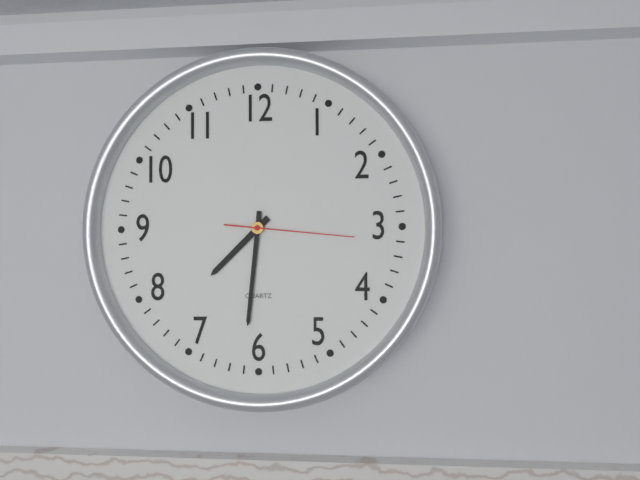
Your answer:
h=7 m=31 s=16
